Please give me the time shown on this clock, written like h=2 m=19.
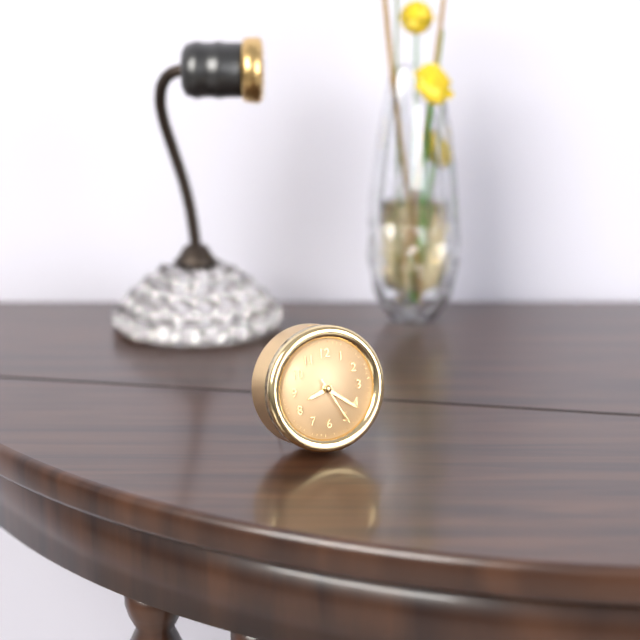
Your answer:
h=8 m=21
